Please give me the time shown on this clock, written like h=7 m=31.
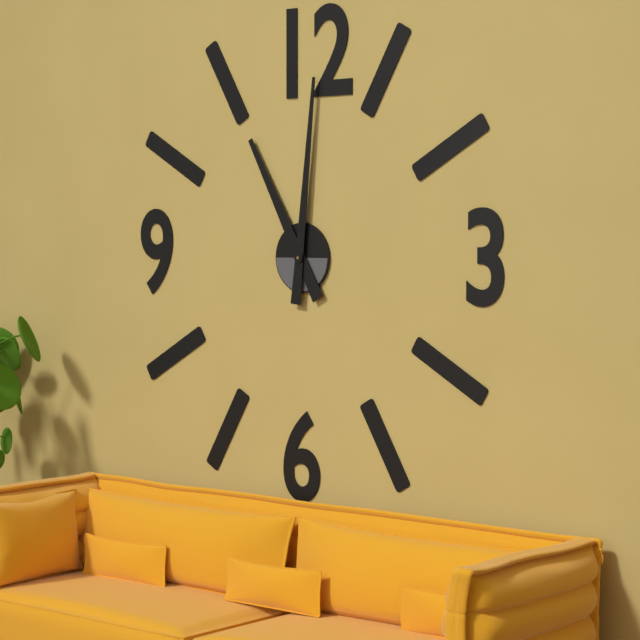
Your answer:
h=11 m=1
